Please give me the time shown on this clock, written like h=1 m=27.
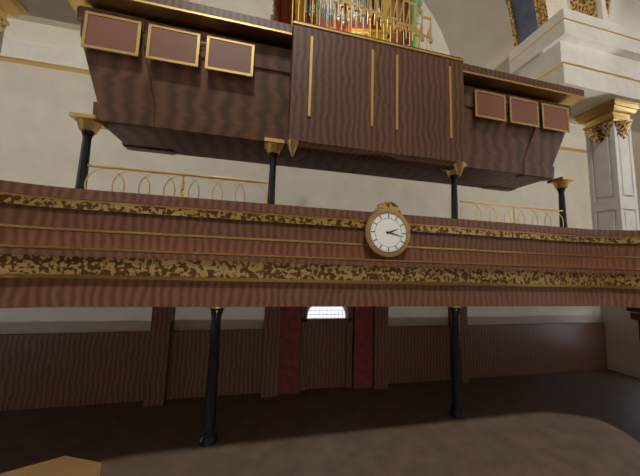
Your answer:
h=2 m=17
